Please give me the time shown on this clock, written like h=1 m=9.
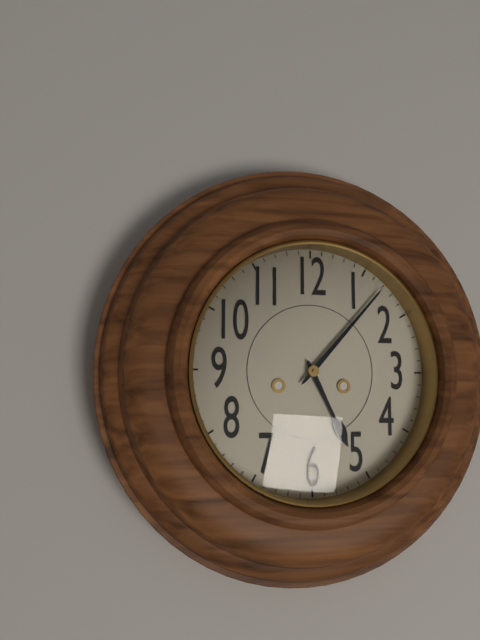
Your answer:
h=5 m=7
